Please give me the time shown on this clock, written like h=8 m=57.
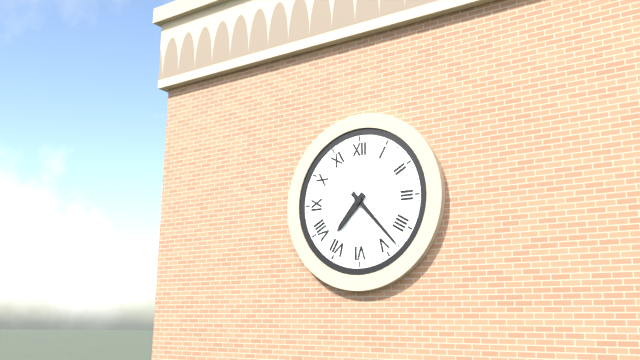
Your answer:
h=7 m=23
